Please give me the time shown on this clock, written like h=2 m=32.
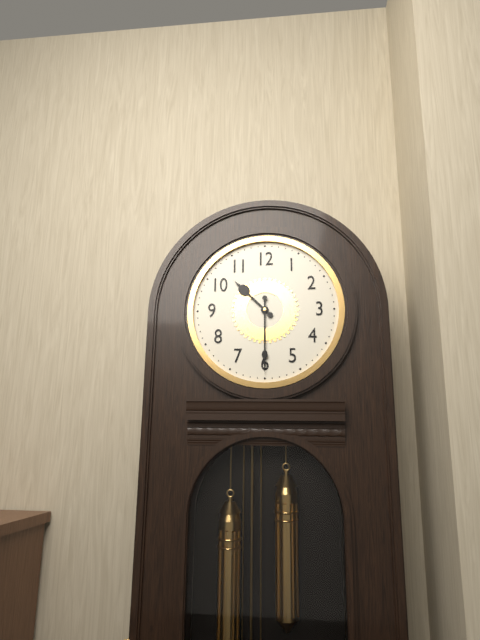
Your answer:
h=10 m=30
